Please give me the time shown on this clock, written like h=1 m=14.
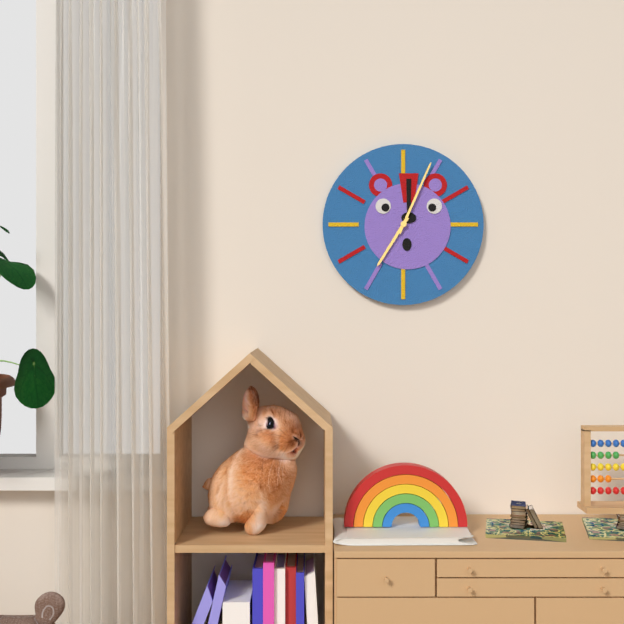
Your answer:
h=7 m=4
